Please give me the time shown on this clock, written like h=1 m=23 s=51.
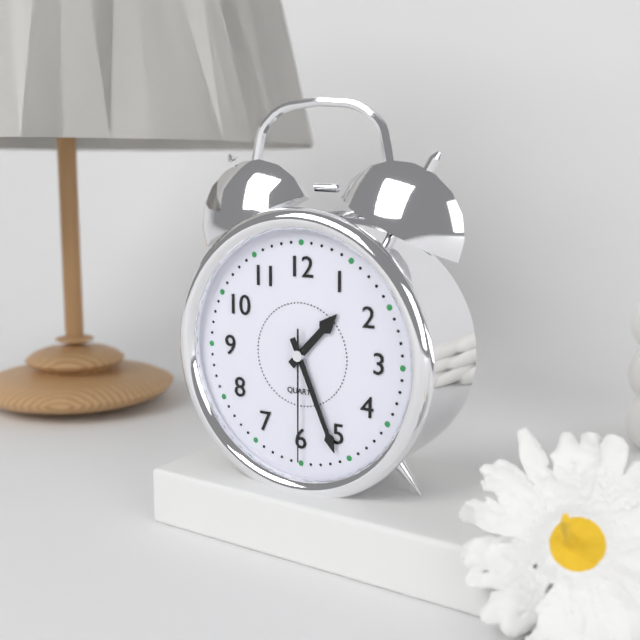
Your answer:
h=1 m=26 s=30
